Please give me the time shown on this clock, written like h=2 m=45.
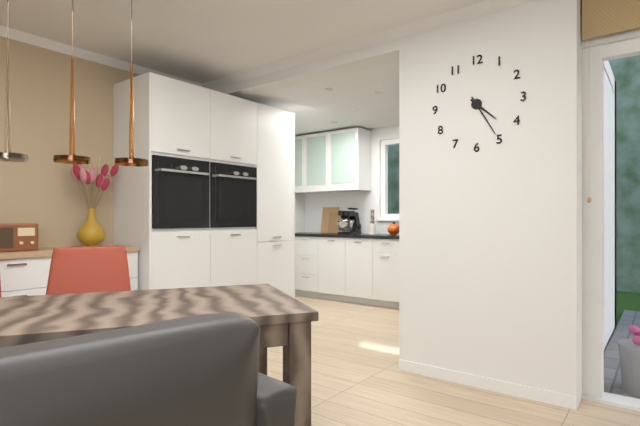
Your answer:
h=4 m=25
